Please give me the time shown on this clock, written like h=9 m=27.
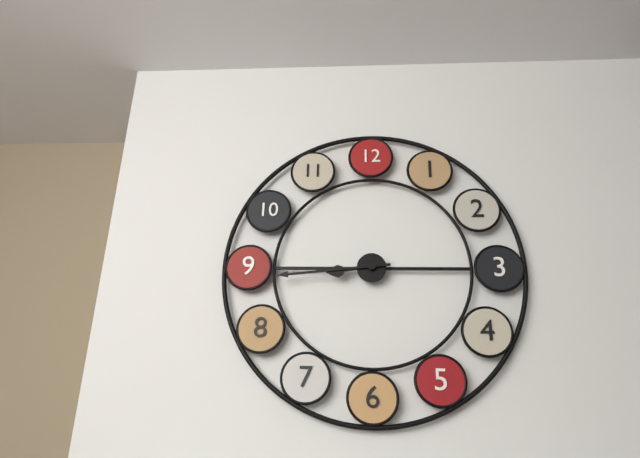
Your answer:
h=8 m=44
